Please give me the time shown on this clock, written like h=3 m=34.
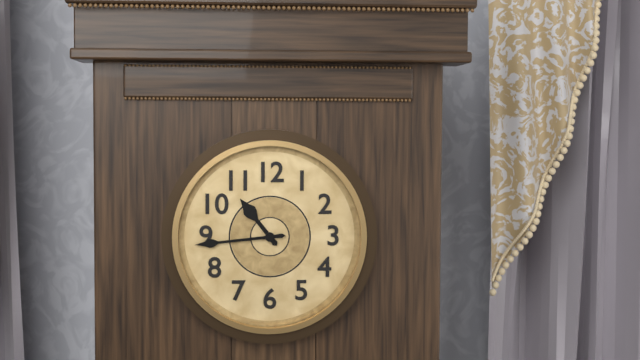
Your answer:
h=10 m=44
